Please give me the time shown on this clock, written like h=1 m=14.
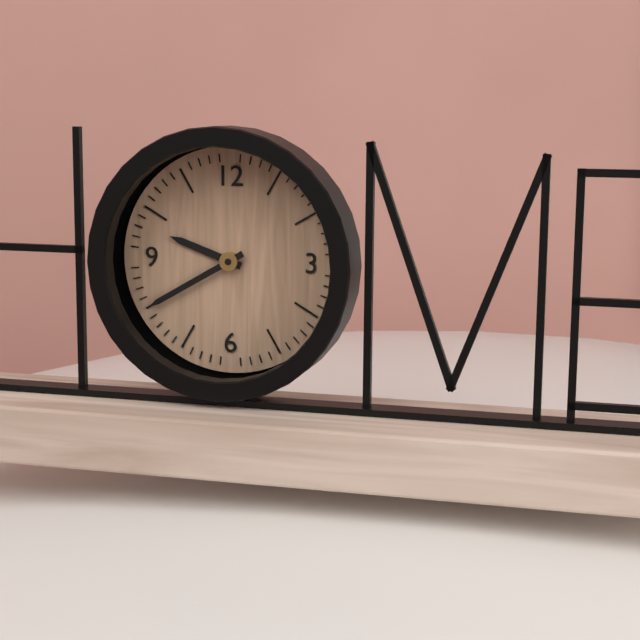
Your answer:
h=9 m=40
